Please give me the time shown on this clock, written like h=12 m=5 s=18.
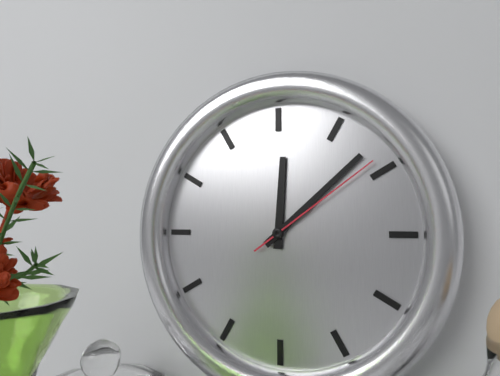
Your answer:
h=12 m=8 s=9
